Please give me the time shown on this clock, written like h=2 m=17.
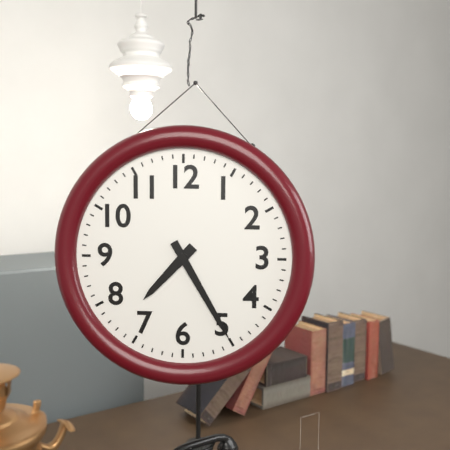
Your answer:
h=7 m=25
